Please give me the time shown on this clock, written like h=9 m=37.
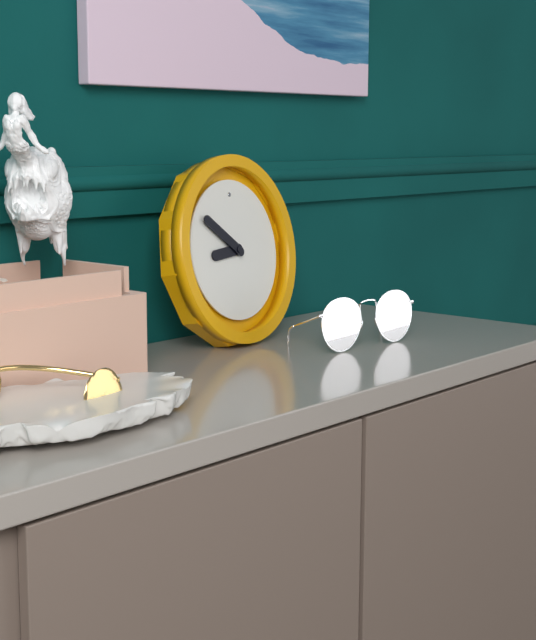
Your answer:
h=8 m=51
